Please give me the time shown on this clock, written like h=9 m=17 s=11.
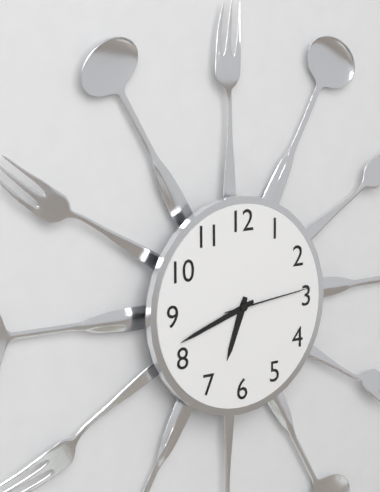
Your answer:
h=6 m=42 s=14
